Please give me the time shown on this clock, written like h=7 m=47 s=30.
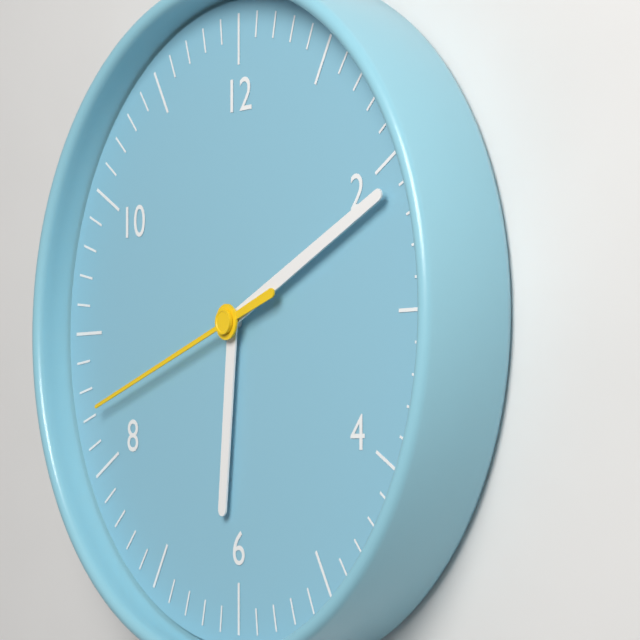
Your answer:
h=6 m=11 s=42
